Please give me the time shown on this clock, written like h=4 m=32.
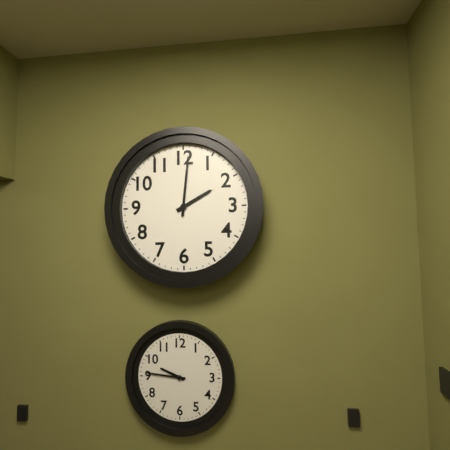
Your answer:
h=2 m=1
